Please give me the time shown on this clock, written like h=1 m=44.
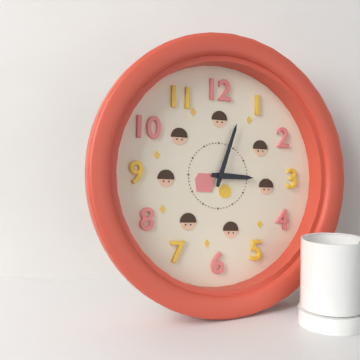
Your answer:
h=3 m=3
